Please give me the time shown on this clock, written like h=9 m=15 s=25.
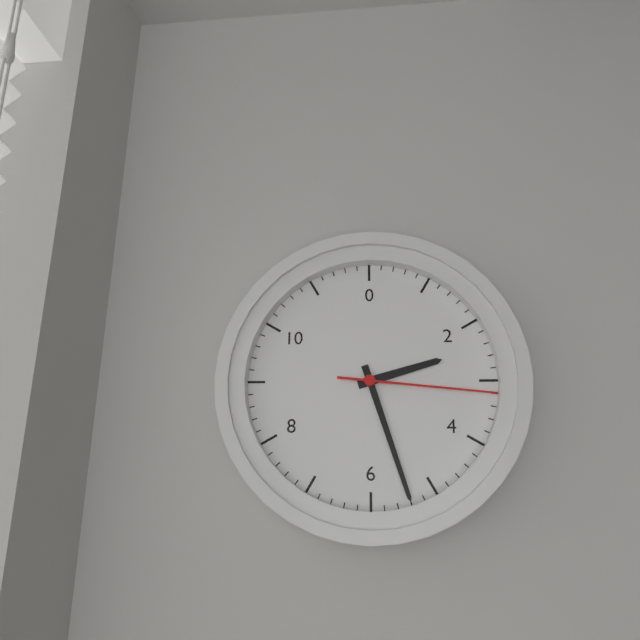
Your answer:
h=2 m=27 s=16
